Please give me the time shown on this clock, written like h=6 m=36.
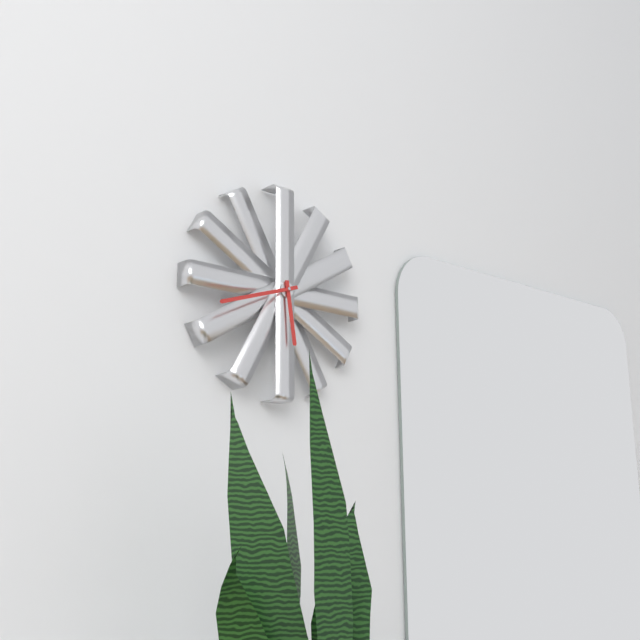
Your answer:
h=5 m=42
